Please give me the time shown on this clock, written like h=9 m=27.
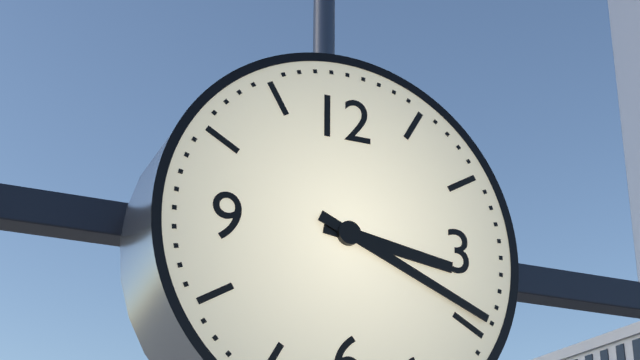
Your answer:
h=3 m=19
